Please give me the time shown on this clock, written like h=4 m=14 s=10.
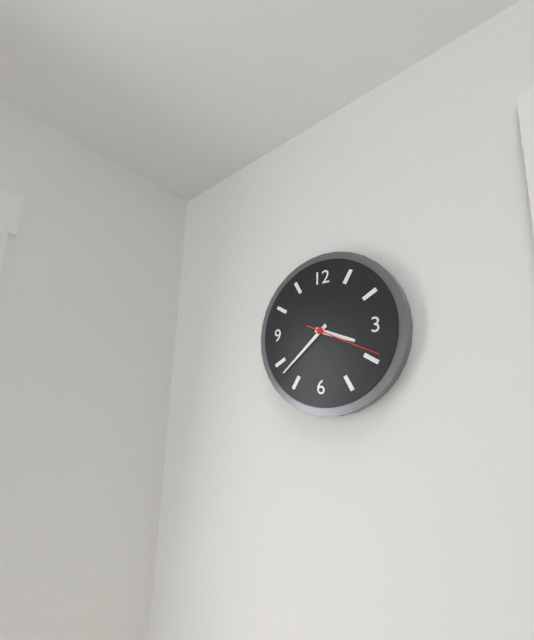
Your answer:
h=3 m=38 s=19
